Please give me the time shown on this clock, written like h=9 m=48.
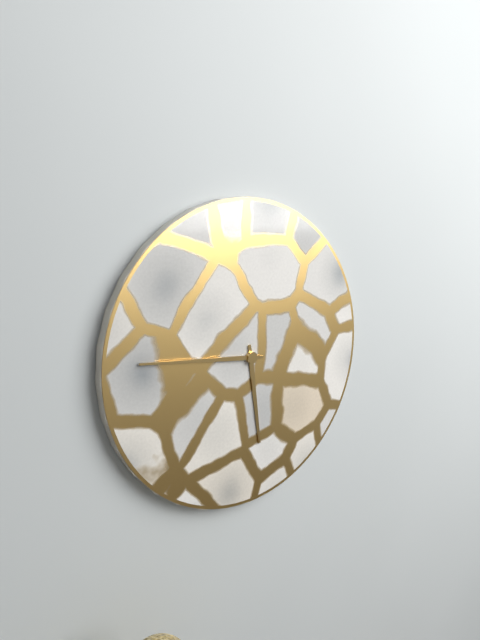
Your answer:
h=5 m=46
